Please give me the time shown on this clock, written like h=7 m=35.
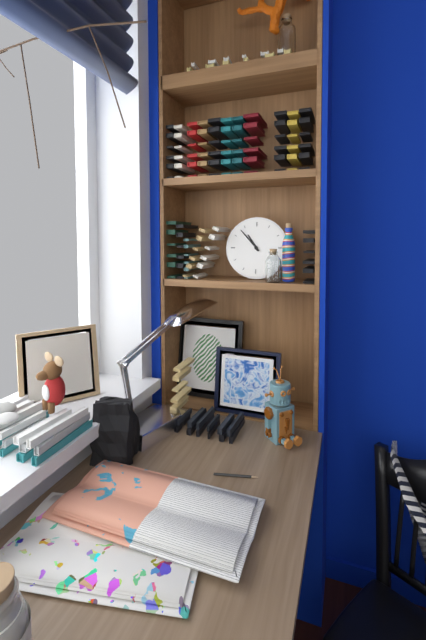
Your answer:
h=10 m=53
